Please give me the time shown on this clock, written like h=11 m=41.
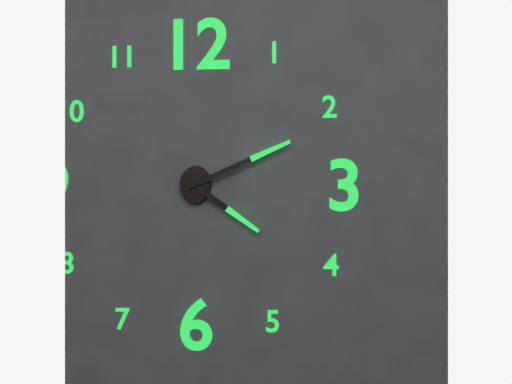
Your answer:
h=4 m=11
